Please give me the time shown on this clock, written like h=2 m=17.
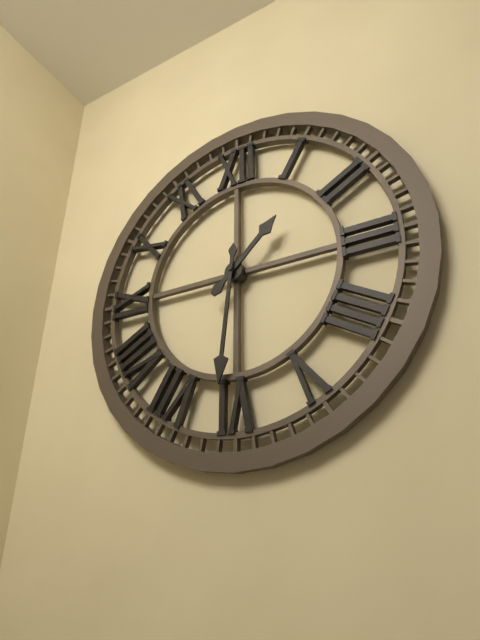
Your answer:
h=1 m=31
